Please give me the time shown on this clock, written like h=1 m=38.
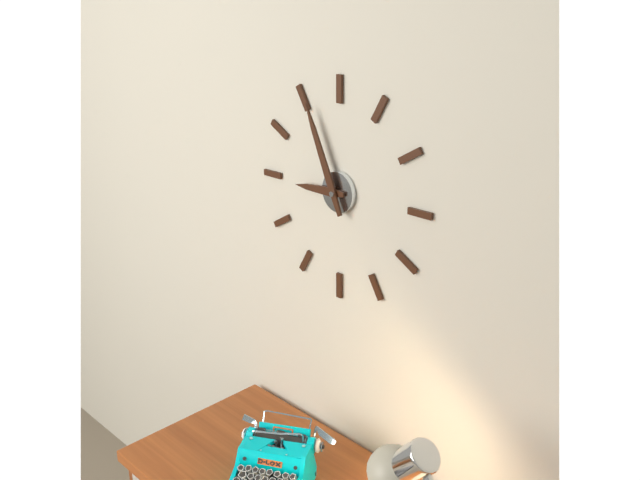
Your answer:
h=8 m=56
